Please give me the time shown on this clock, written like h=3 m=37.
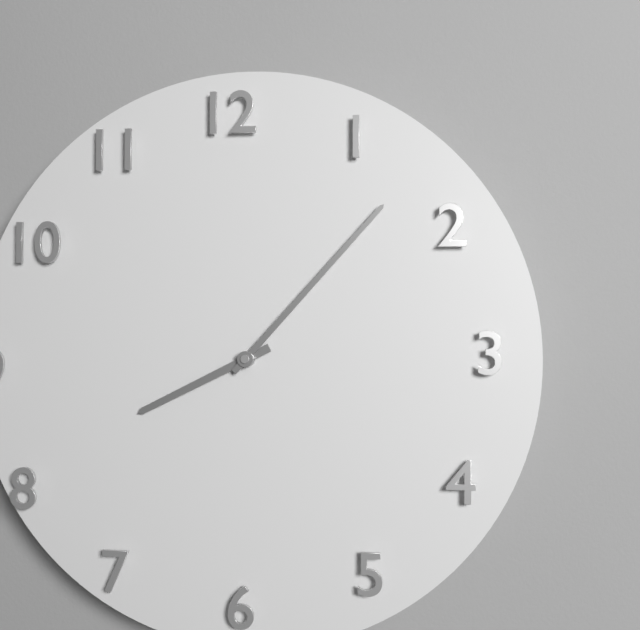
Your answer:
h=8 m=7
